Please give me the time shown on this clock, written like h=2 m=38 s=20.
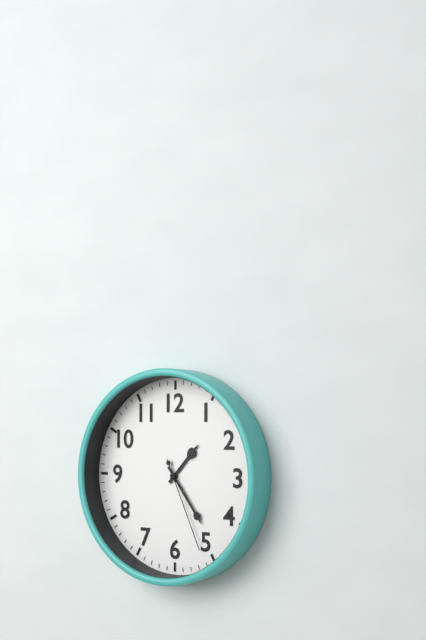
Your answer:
h=1 m=24 s=26
